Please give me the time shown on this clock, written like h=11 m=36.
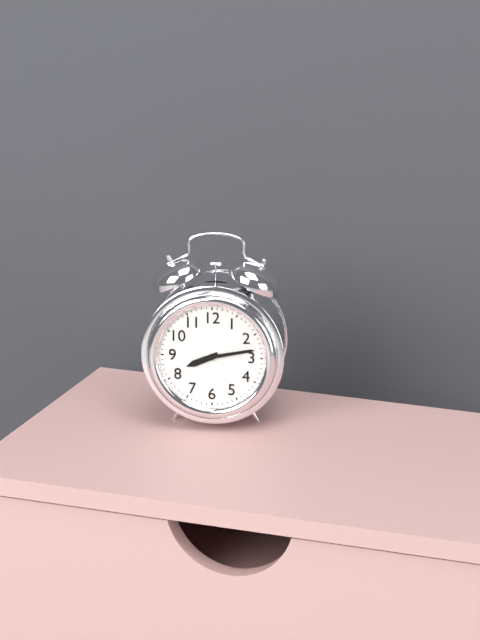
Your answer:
h=8 m=13
